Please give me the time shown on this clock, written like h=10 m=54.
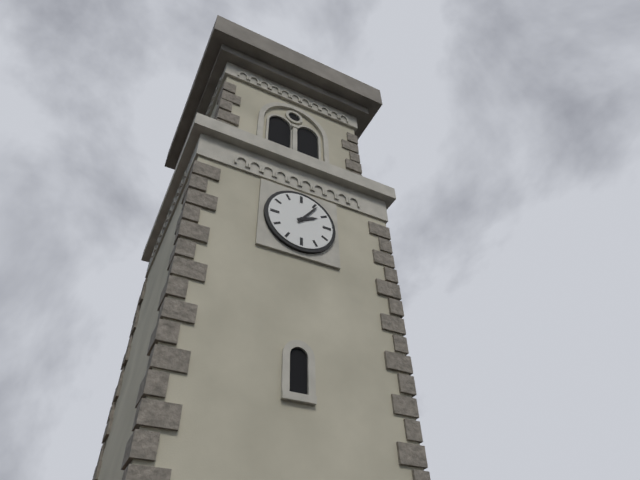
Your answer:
h=2 m=6
